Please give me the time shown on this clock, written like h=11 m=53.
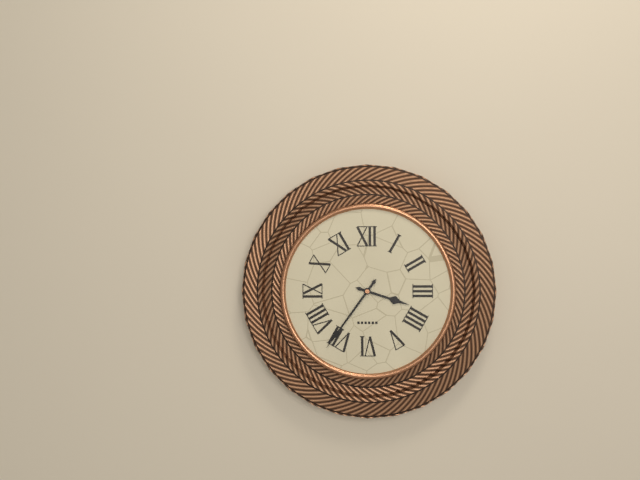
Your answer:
h=3 m=36
